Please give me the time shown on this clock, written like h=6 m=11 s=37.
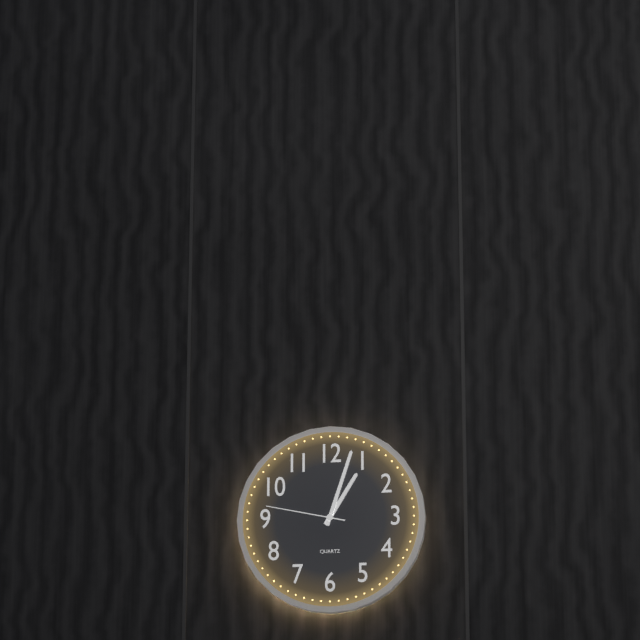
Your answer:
h=1 m=3 s=47
